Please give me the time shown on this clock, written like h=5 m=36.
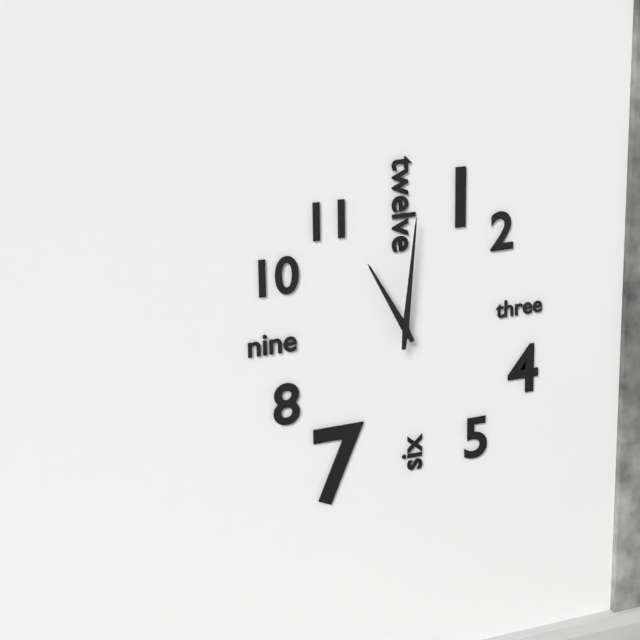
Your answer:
h=11 m=1
